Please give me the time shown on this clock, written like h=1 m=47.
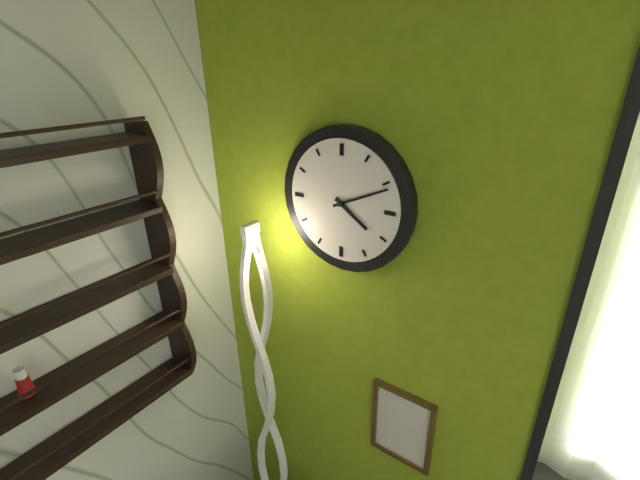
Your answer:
h=4 m=11
